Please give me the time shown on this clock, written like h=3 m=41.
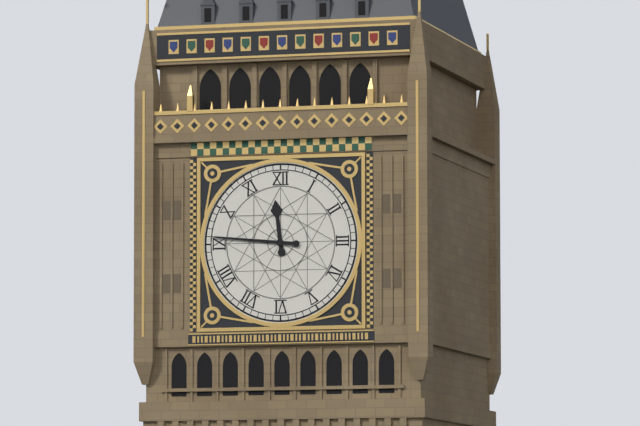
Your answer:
h=11 m=46
